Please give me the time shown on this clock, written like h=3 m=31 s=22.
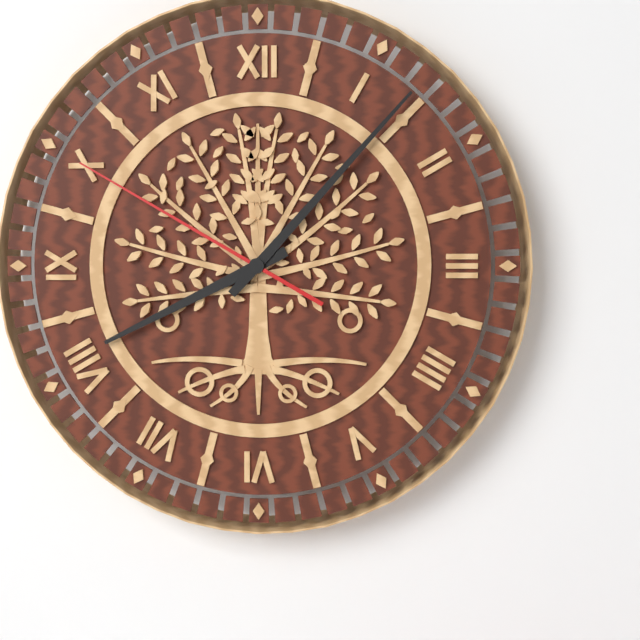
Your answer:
h=8 m=7 s=50
